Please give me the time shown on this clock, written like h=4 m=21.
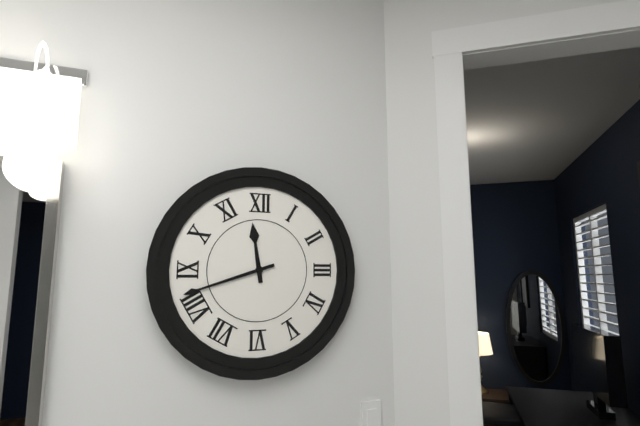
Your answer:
h=11 m=42
